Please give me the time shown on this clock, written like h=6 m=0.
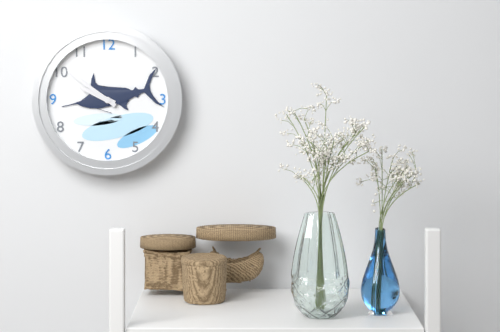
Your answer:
h=9 m=51
